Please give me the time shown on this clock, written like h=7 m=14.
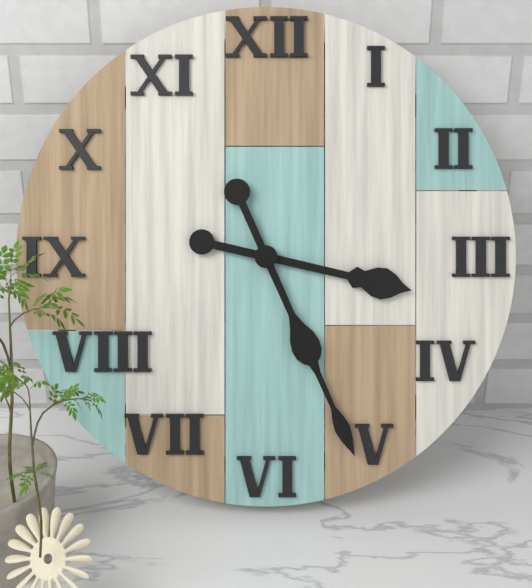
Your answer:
h=3 m=26
